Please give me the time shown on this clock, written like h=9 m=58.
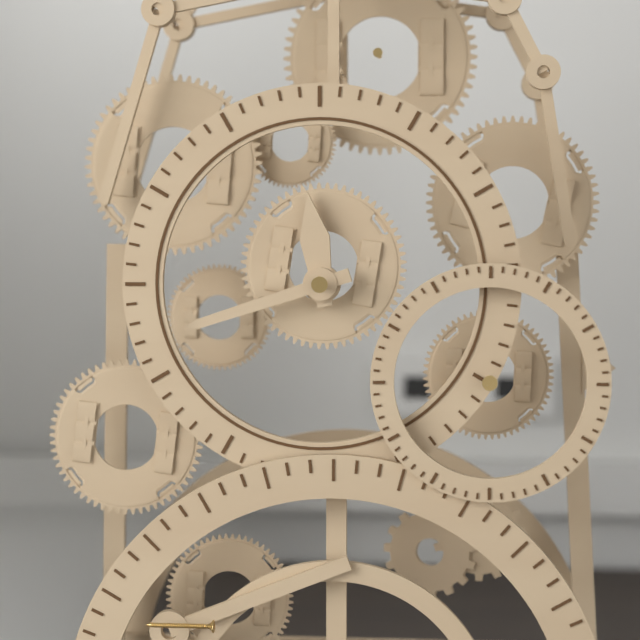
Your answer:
h=11 m=42
